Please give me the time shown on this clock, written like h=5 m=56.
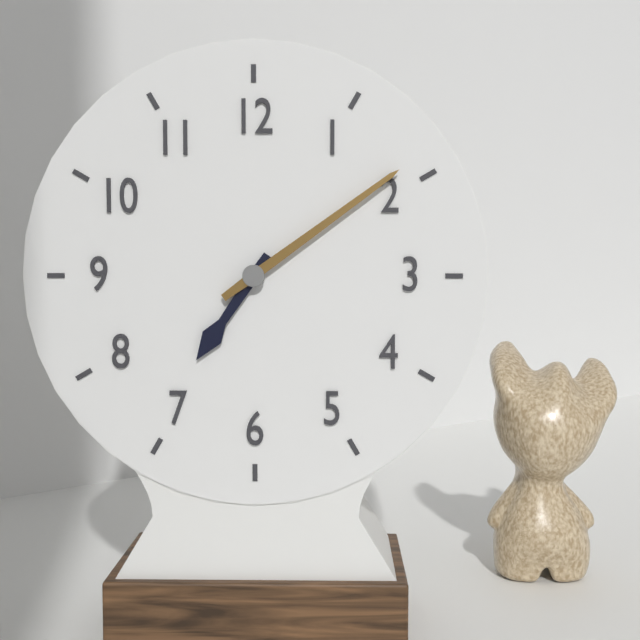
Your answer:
h=7 m=9
